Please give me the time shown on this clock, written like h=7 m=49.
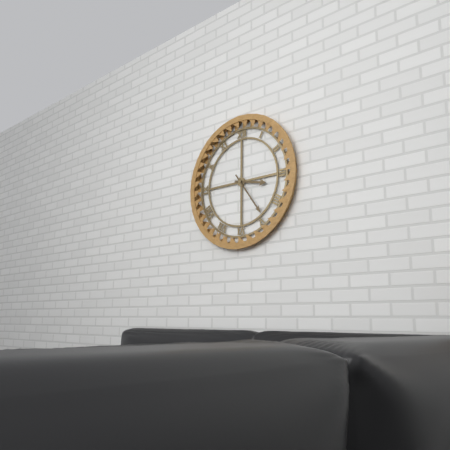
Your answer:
h=3 m=24
